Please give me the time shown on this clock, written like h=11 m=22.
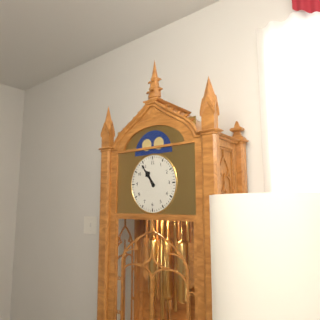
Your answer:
h=10 m=54
